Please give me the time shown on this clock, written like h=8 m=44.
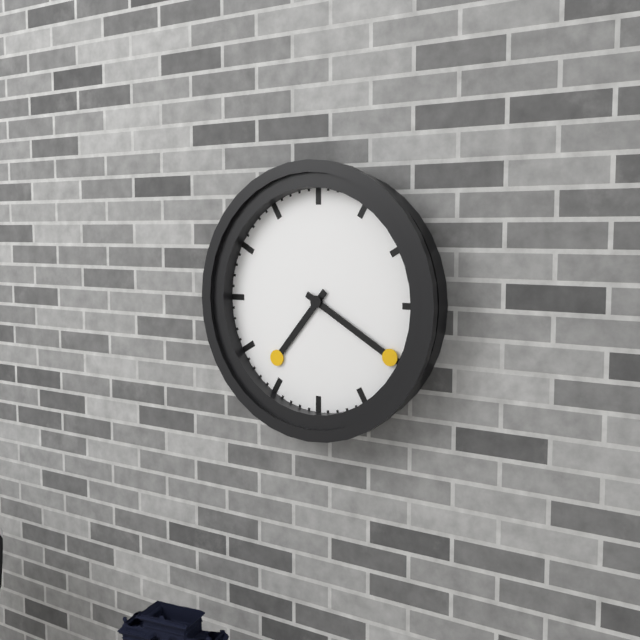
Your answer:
h=7 m=20
